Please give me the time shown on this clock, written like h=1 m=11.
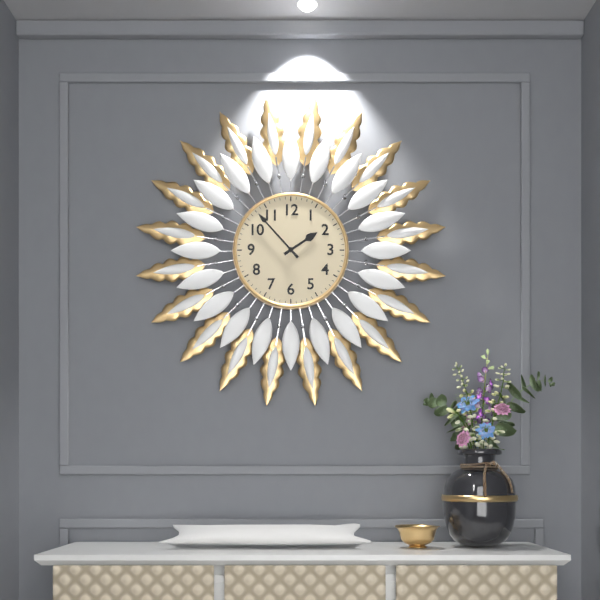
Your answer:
h=1 m=53
